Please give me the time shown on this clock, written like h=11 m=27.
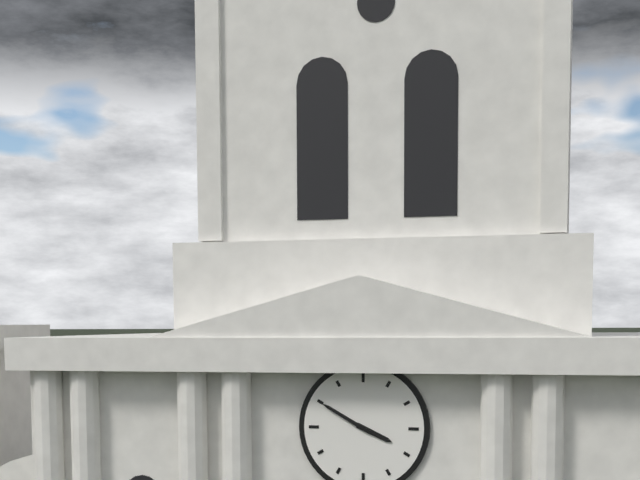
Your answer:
h=3 m=50
